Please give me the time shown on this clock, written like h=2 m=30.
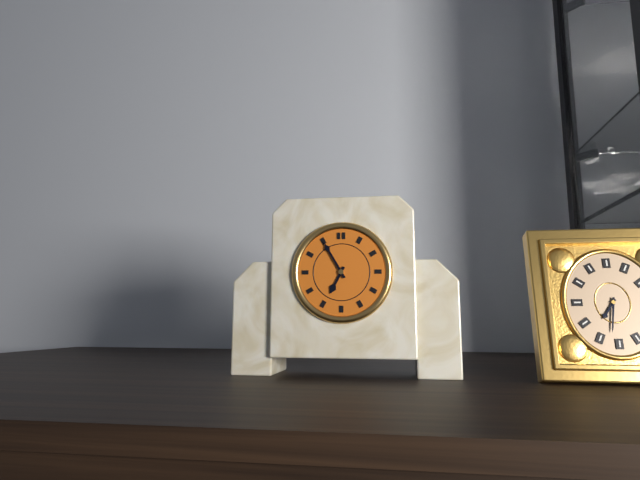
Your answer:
h=6 m=55
